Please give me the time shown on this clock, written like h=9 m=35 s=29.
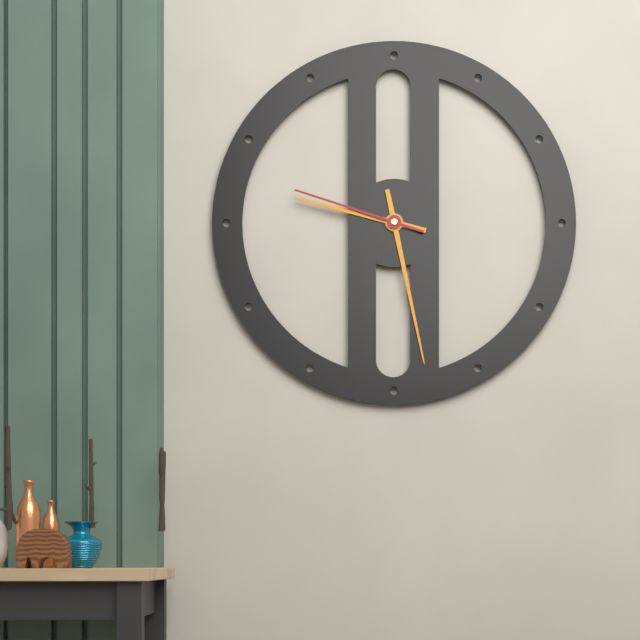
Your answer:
h=9 m=28 s=48
